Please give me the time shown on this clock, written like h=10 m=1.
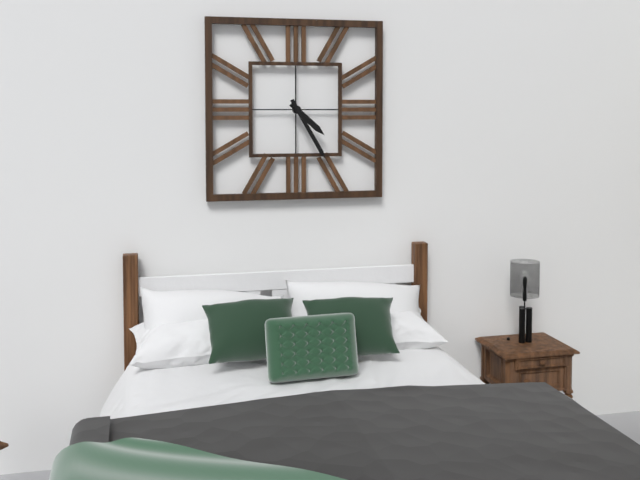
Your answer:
h=4 m=25
